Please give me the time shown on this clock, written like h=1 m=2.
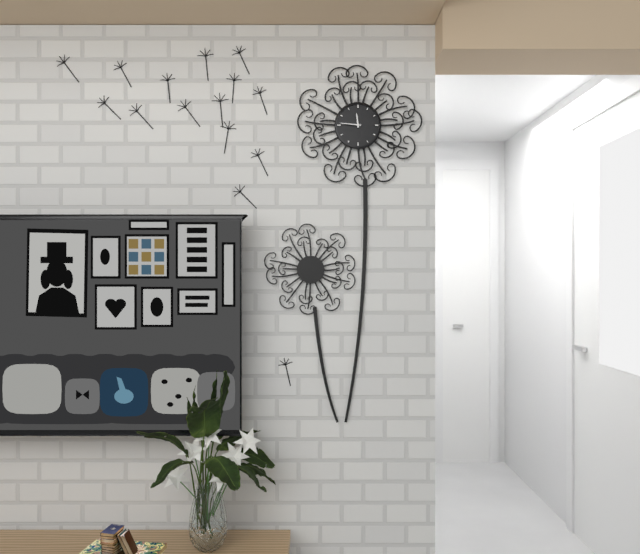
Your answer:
h=11 m=46
